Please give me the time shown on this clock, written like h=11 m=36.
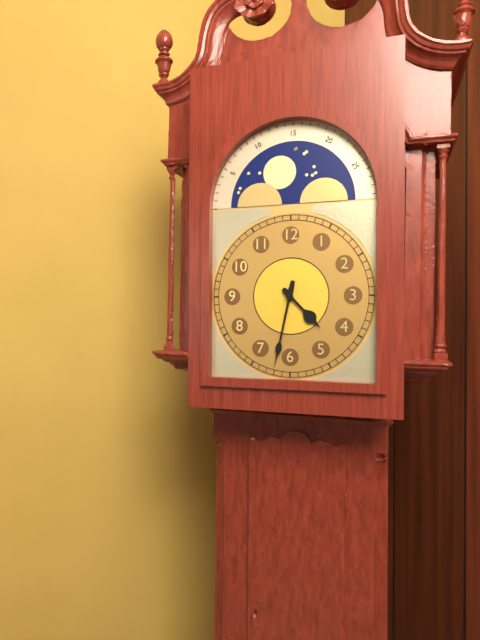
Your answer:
h=4 m=32
